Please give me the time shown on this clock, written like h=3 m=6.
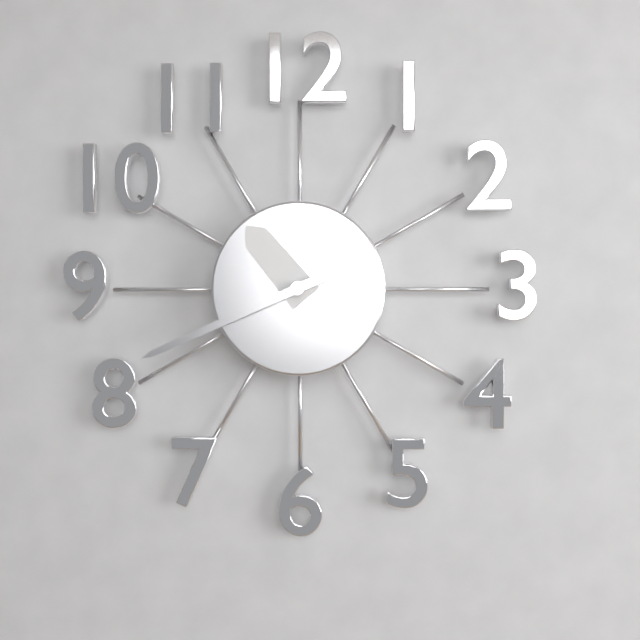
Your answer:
h=10 m=41
